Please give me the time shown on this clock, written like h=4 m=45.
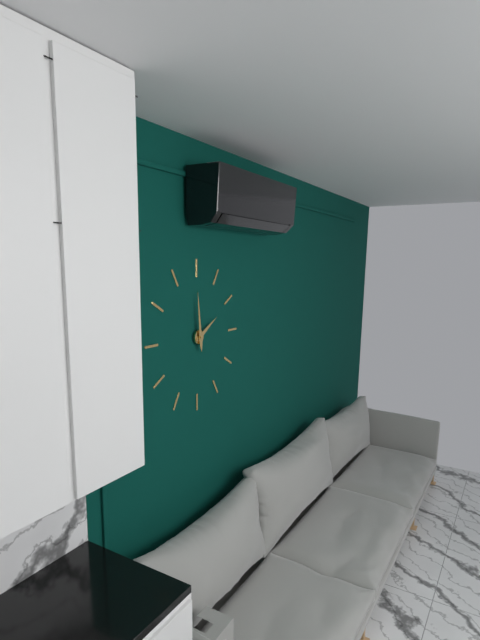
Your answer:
h=1 m=59
